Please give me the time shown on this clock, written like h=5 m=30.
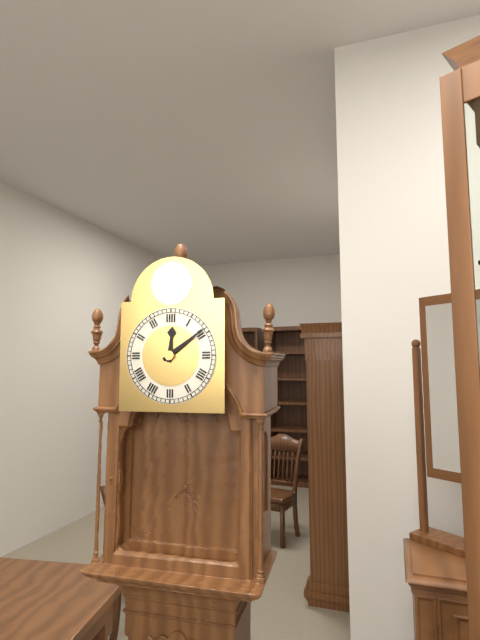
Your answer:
h=12 m=9
